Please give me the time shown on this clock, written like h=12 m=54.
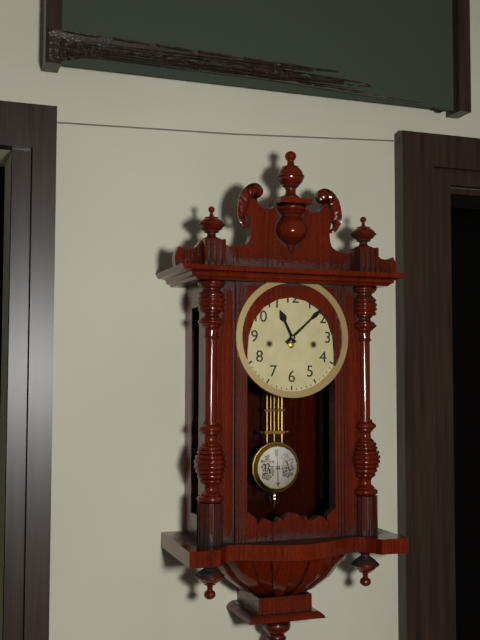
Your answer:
h=11 m=8
